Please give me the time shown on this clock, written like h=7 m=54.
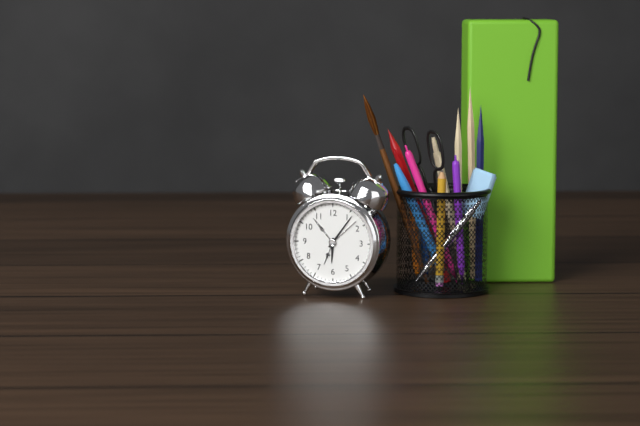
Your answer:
h=6 m=6
